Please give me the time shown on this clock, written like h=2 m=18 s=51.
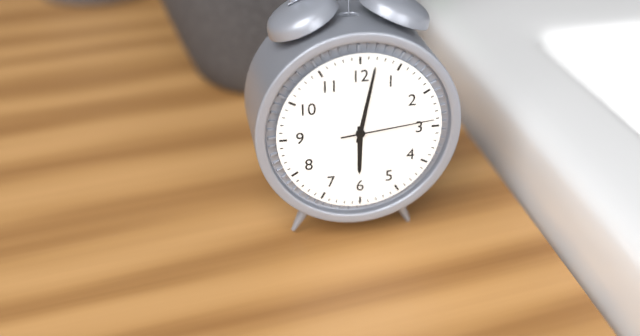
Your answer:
h=6 m=2 s=14
